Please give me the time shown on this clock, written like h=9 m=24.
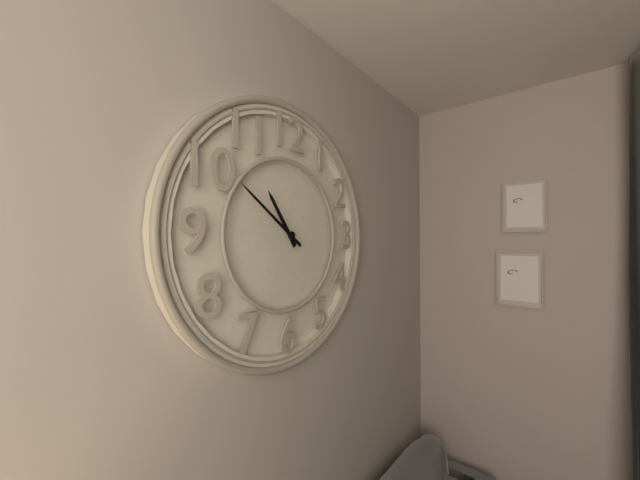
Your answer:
h=10 m=51
